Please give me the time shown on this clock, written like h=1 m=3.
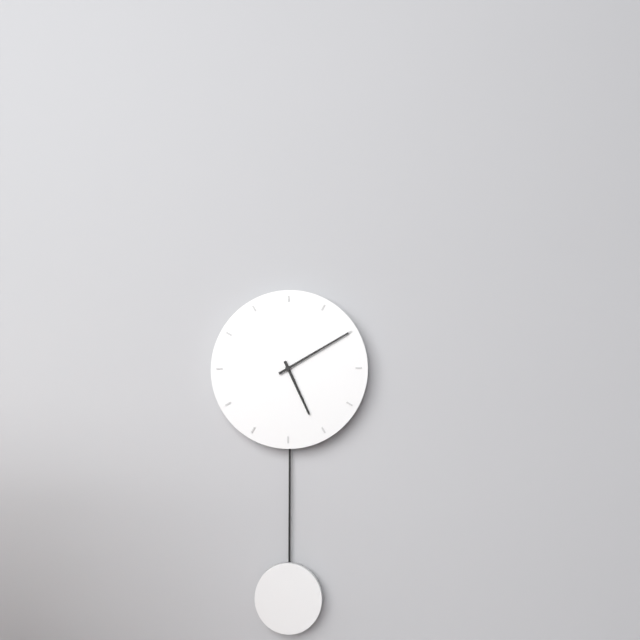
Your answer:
h=5 m=10
